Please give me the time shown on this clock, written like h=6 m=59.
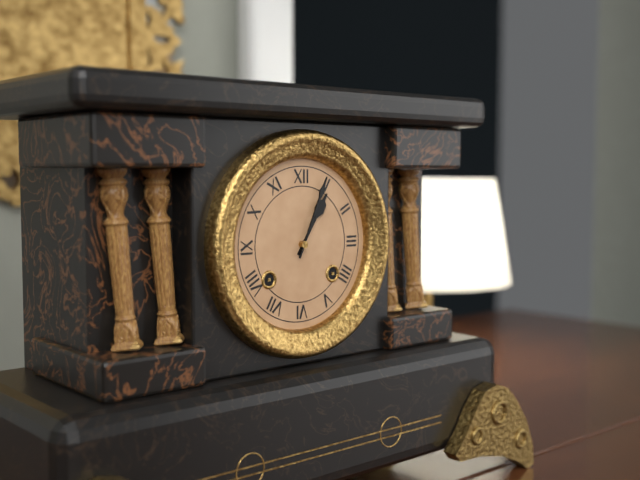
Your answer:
h=1 m=4
